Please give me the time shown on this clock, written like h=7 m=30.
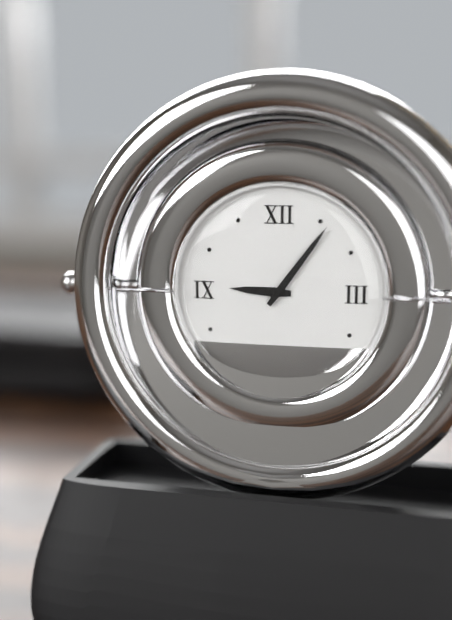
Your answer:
h=9 m=6
